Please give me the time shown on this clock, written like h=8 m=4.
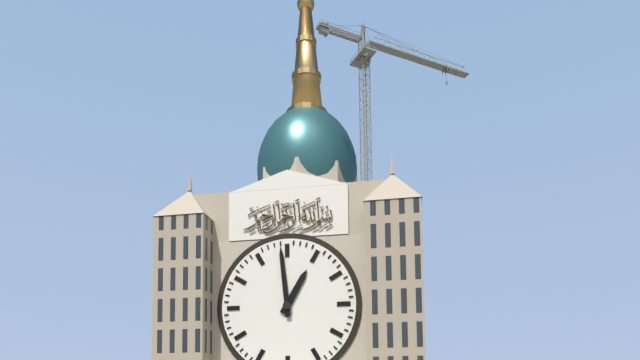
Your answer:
h=12 m=59
